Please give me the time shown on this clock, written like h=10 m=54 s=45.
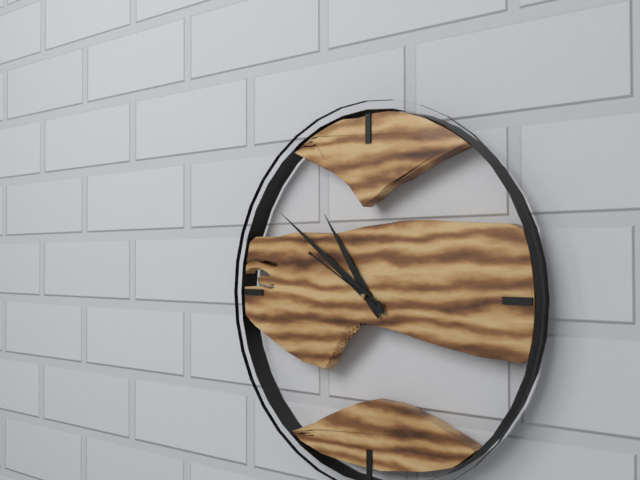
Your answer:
h=10 m=51 s=50
